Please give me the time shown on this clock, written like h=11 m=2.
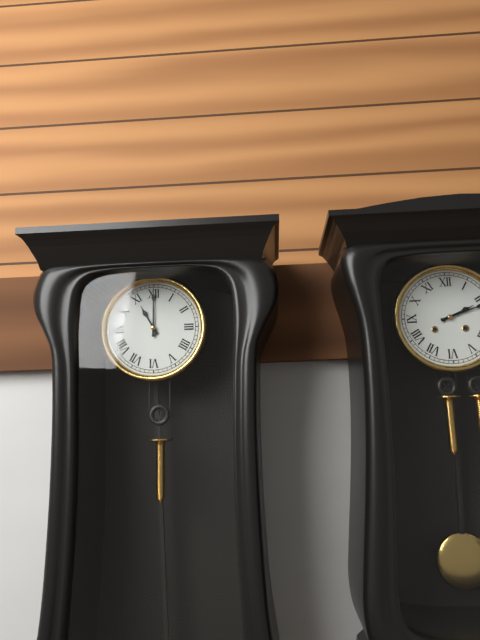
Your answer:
h=11 m=0
